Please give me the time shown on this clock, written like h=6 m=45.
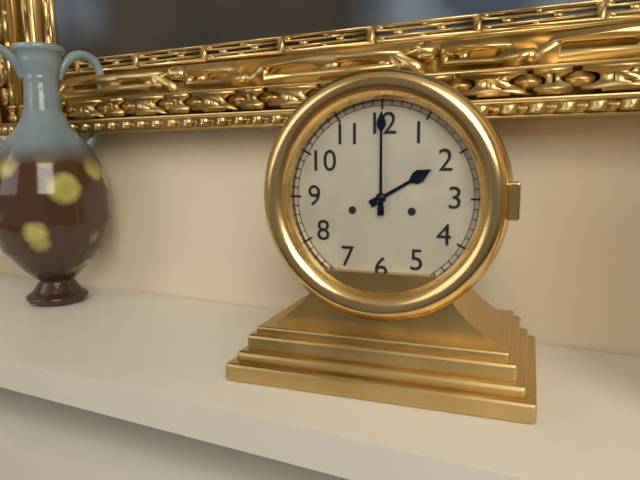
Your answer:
h=2 m=0
